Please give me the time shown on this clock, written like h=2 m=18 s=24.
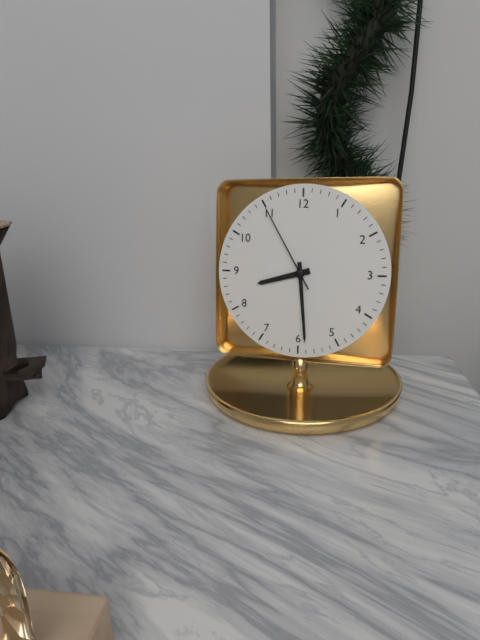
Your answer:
h=8 m=29 s=55
